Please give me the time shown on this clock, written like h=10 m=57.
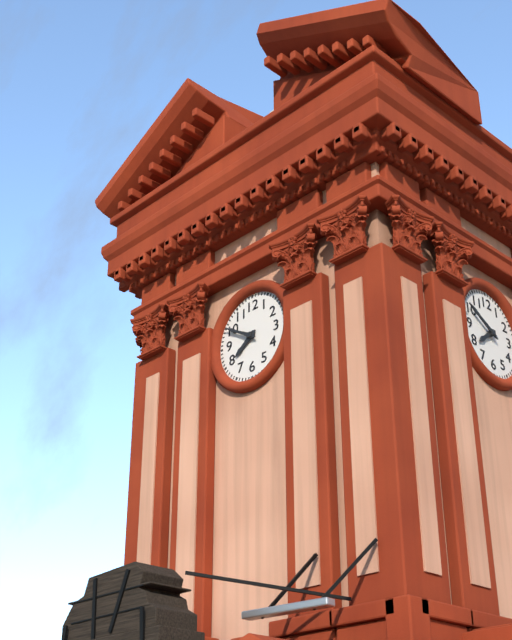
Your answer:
h=7 m=50
